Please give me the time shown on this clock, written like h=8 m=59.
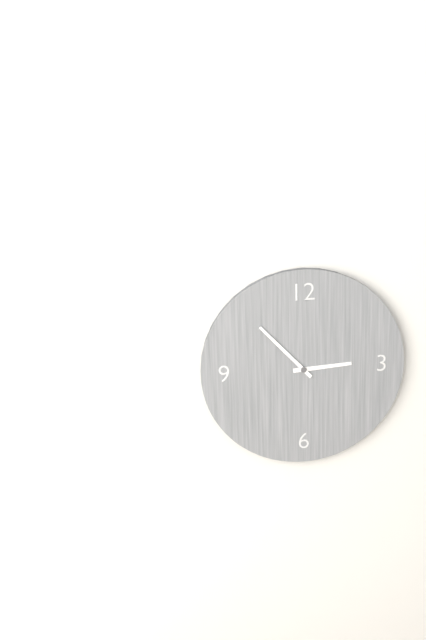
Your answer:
h=2 m=53
